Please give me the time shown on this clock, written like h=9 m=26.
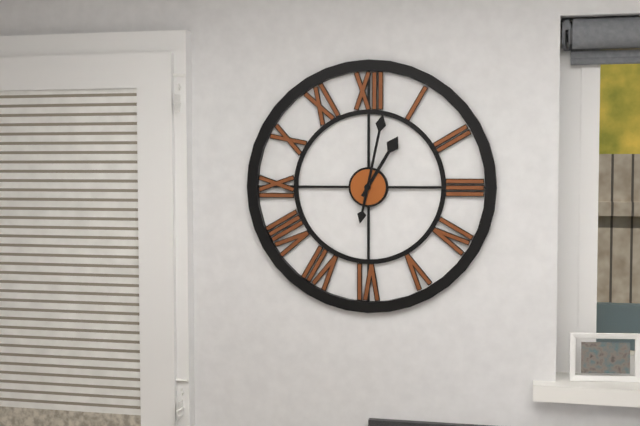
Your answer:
h=1 m=2
